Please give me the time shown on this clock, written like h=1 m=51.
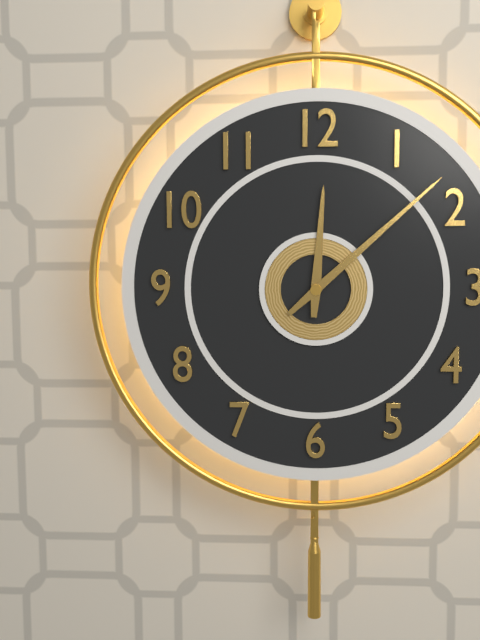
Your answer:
h=12 m=8
